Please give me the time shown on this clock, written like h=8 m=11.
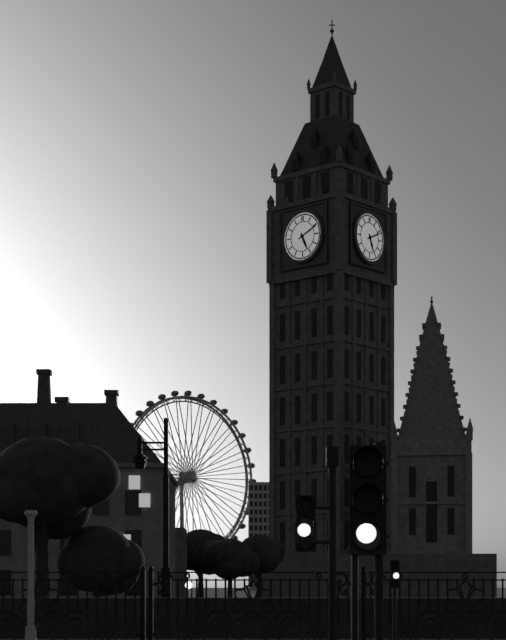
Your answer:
h=5 m=11
